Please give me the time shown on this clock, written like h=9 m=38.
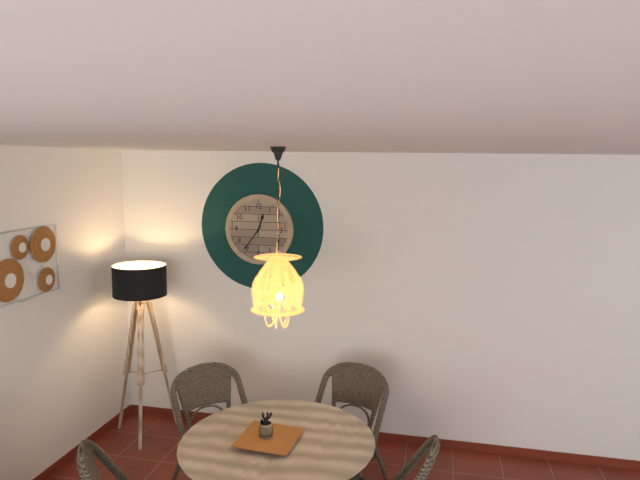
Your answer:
h=12 m=36
